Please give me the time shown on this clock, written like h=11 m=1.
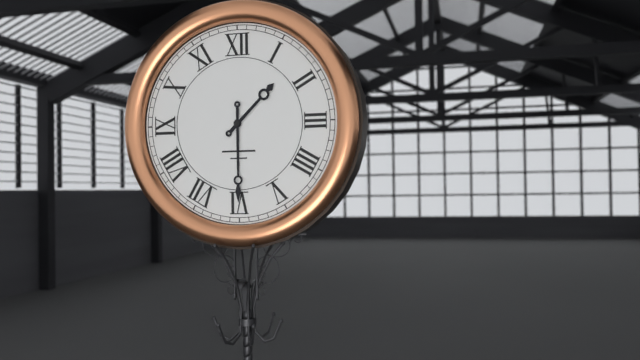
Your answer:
h=1 m=30
